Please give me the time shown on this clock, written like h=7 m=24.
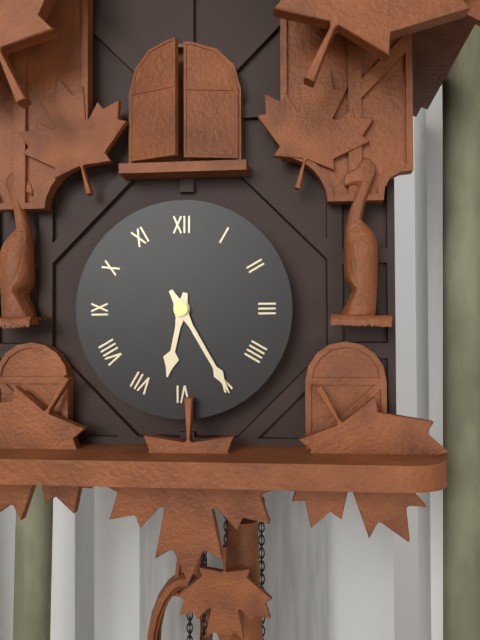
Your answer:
h=6 m=25
